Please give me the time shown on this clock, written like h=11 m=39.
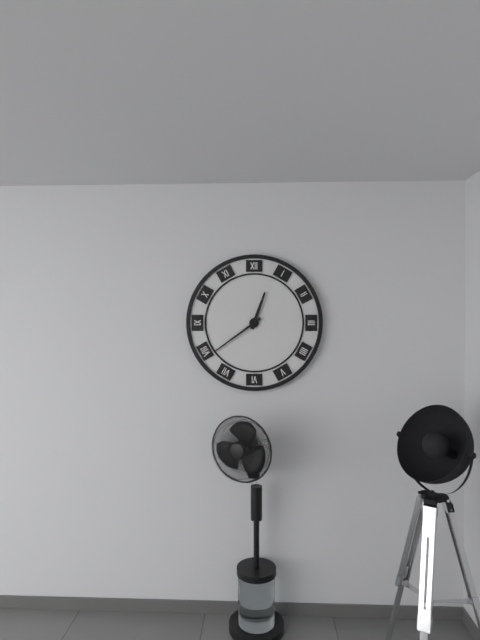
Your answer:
h=12 m=39
